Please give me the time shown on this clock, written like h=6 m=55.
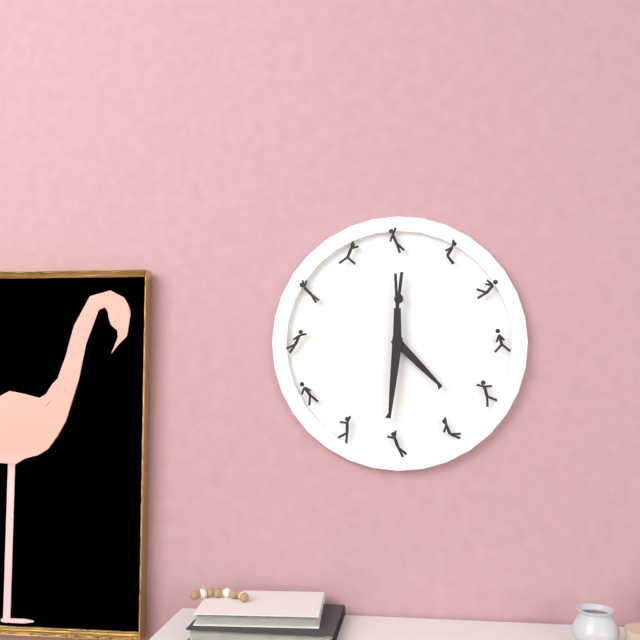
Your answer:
h=4 m=31
